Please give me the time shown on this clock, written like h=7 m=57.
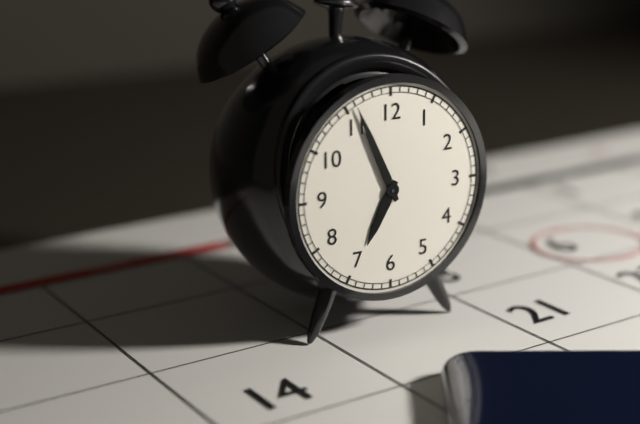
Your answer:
h=6 m=56
